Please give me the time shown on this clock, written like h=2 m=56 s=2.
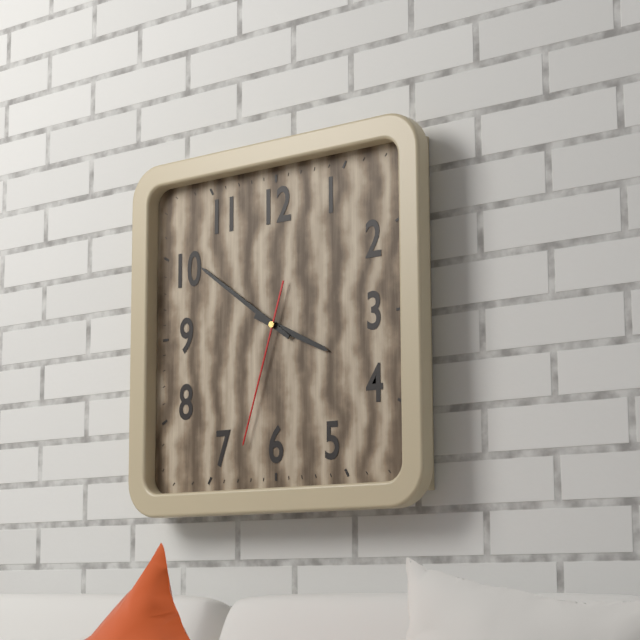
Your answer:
h=3 m=51 s=33
